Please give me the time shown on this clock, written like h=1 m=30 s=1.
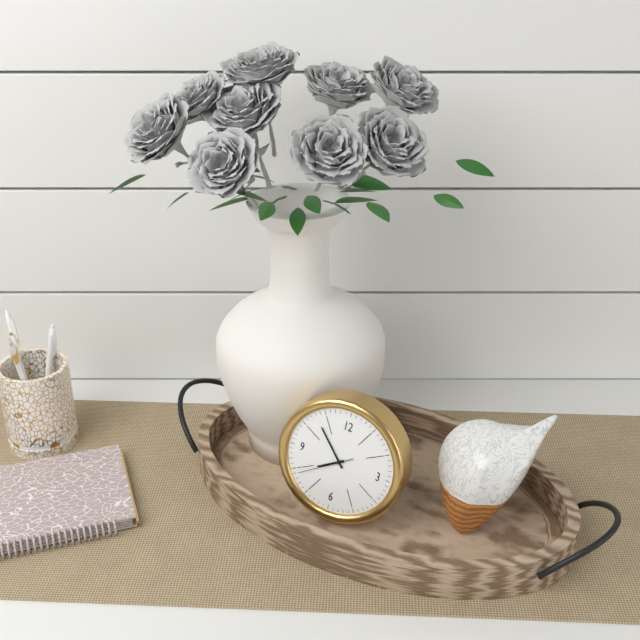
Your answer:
h=7 m=53 s=39
